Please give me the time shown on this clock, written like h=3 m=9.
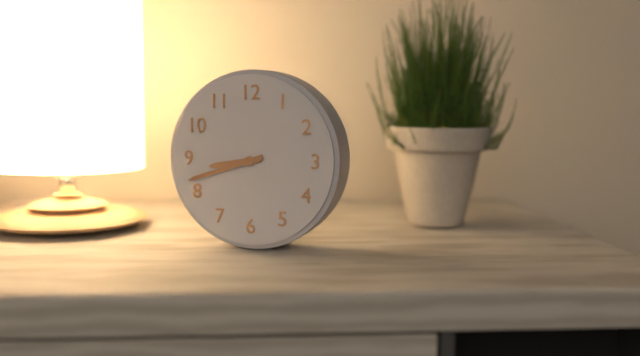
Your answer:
h=8 m=42
